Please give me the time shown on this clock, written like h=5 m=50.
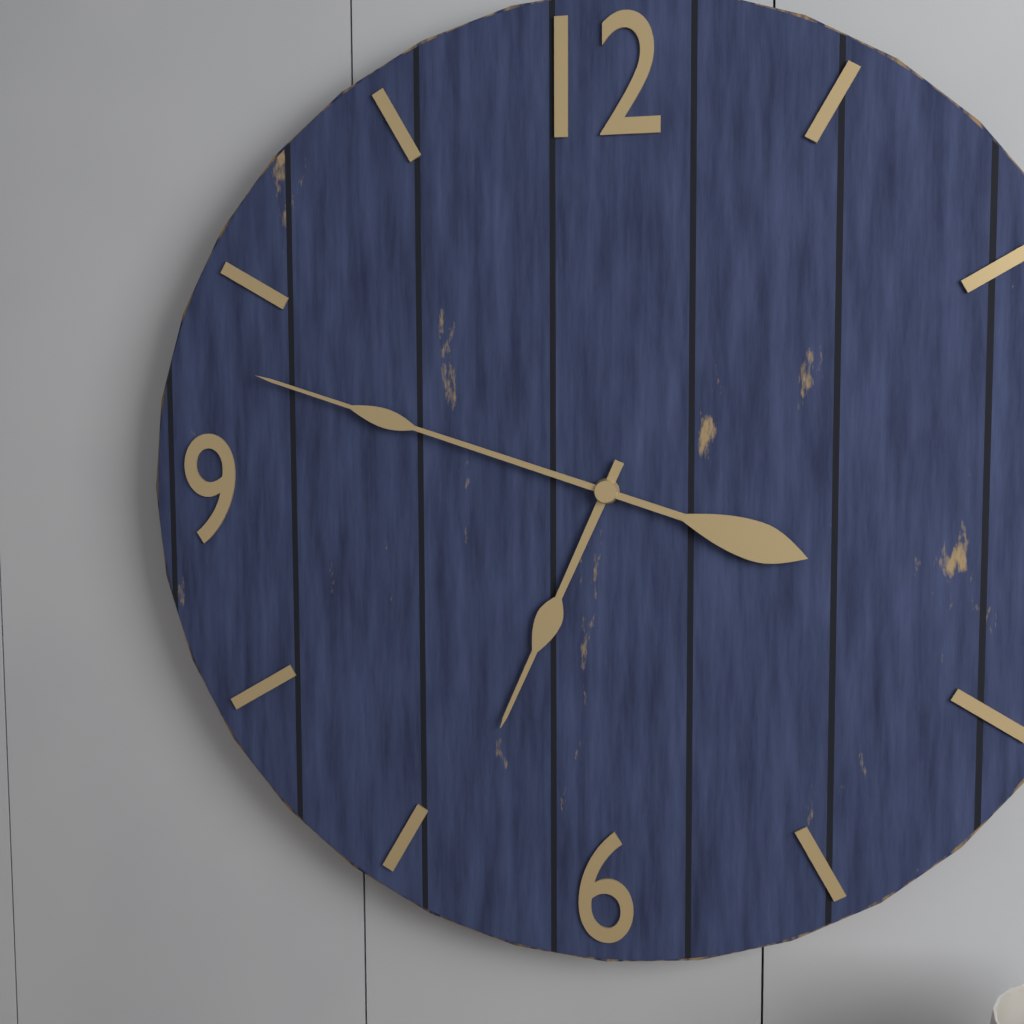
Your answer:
h=6 m=48
